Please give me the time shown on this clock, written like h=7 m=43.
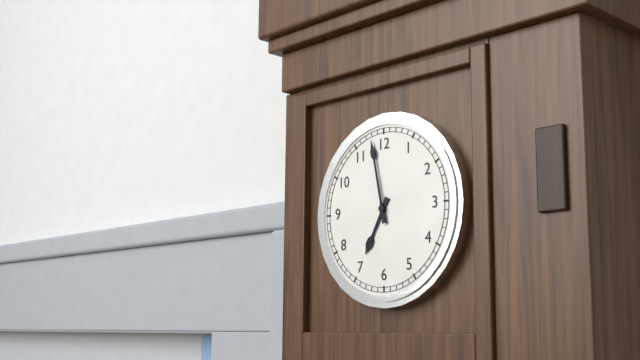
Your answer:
h=6 m=58
